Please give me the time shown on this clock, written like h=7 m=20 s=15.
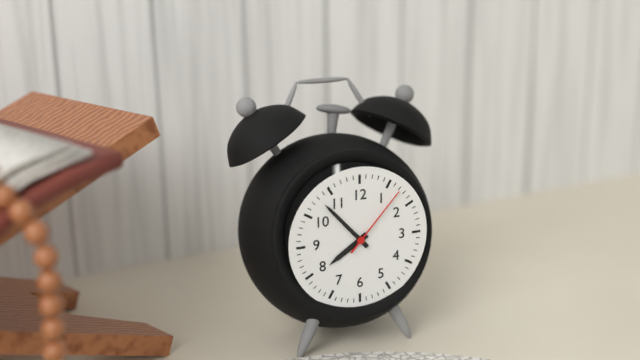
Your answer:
h=7 m=53 s=7
